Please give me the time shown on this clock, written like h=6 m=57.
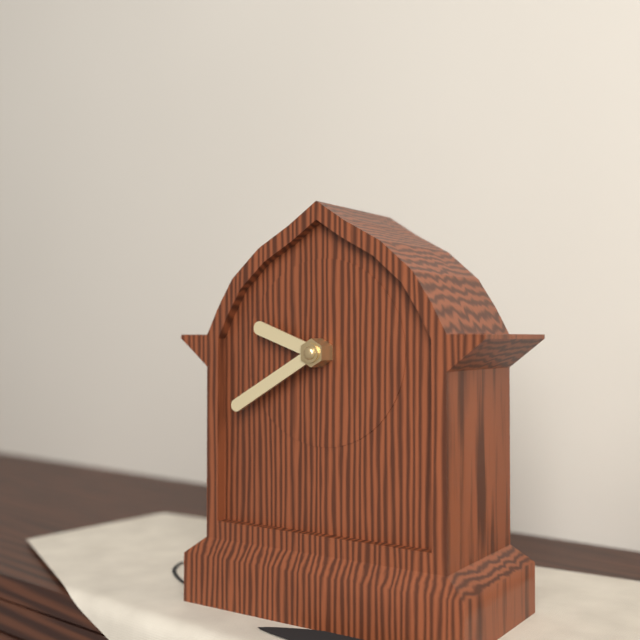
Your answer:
h=9 m=40
